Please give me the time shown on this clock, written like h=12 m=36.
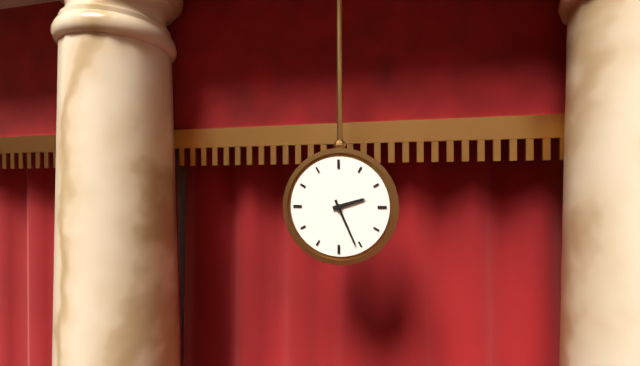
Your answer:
h=2 m=26
